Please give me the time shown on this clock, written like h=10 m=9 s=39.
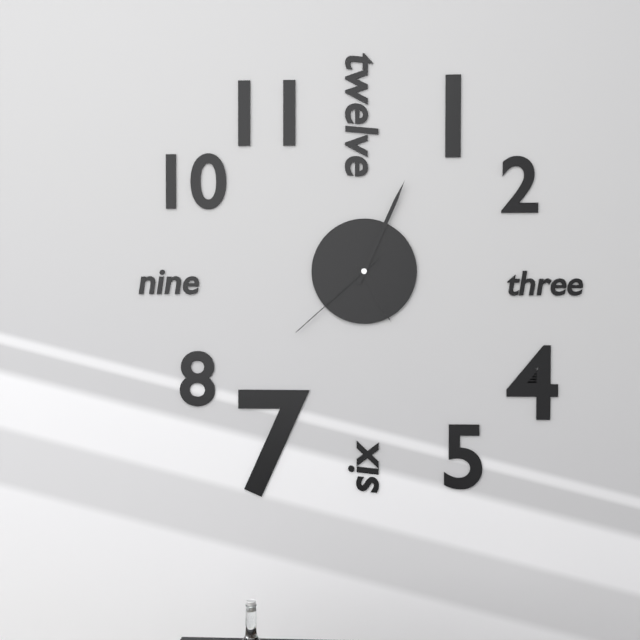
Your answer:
h=5 m=4 s=38
